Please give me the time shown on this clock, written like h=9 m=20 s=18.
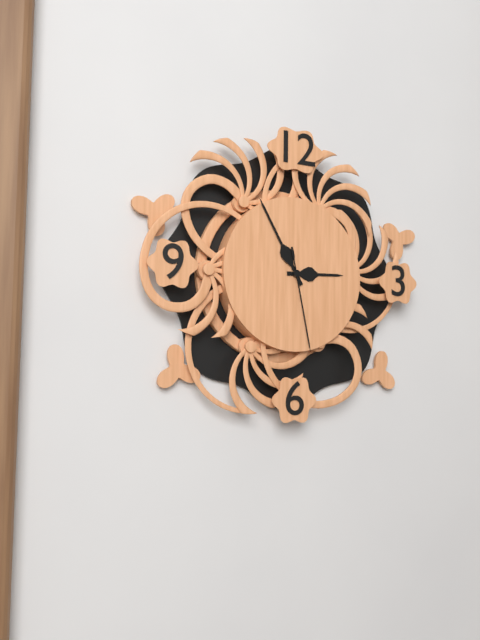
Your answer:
h=2 m=55 s=28
